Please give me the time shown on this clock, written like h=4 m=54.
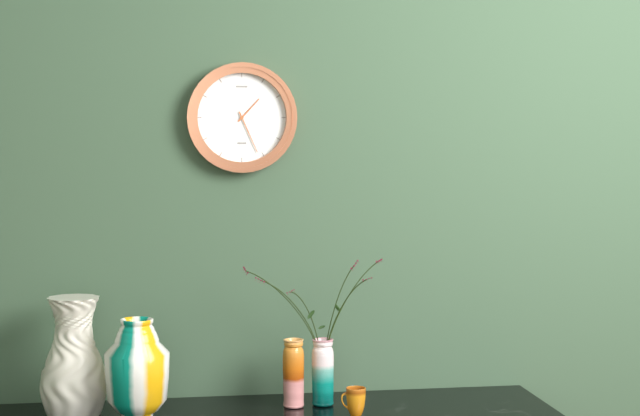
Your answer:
h=1 m=26
